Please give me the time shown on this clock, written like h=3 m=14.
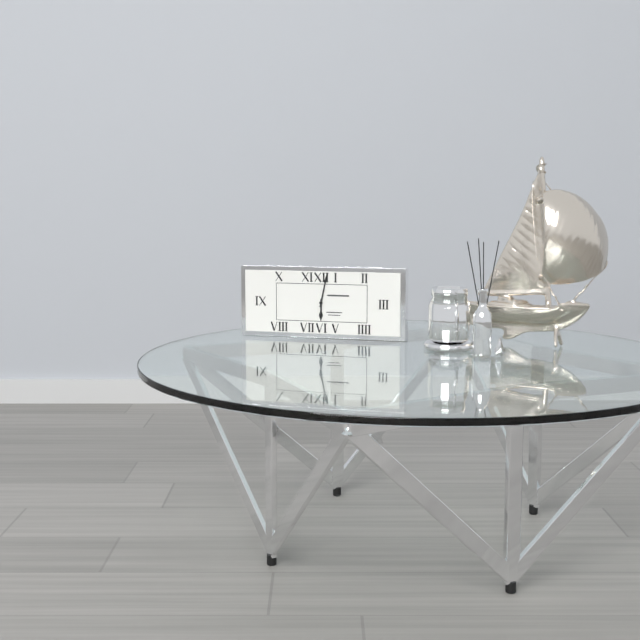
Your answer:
h=6 m=2
